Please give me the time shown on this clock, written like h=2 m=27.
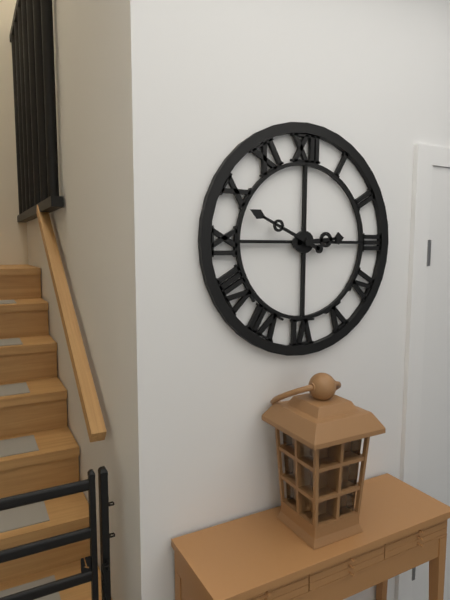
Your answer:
h=2 m=49
